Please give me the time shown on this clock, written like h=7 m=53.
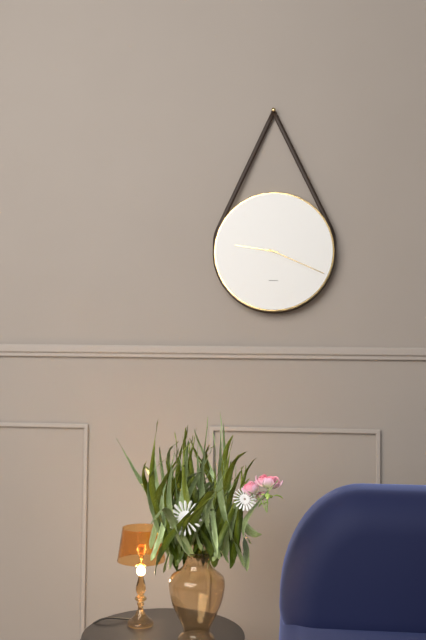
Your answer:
h=9 m=19
